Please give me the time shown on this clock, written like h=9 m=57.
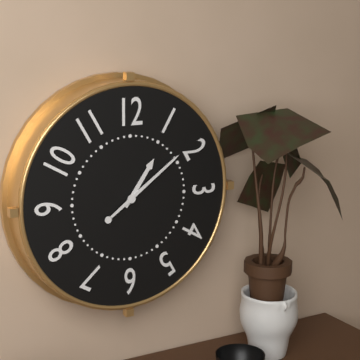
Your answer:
h=1 m=9
